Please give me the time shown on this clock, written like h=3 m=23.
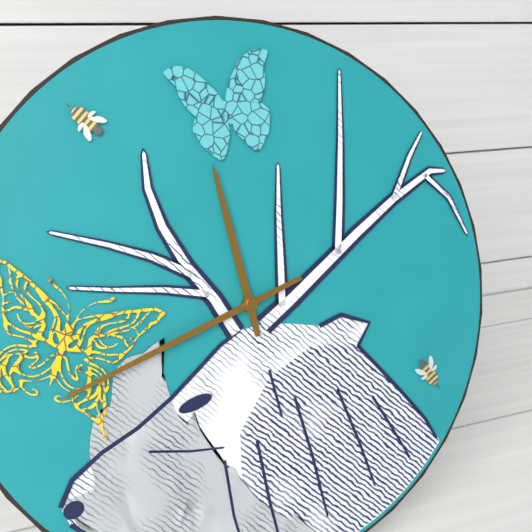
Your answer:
h=11 m=42
